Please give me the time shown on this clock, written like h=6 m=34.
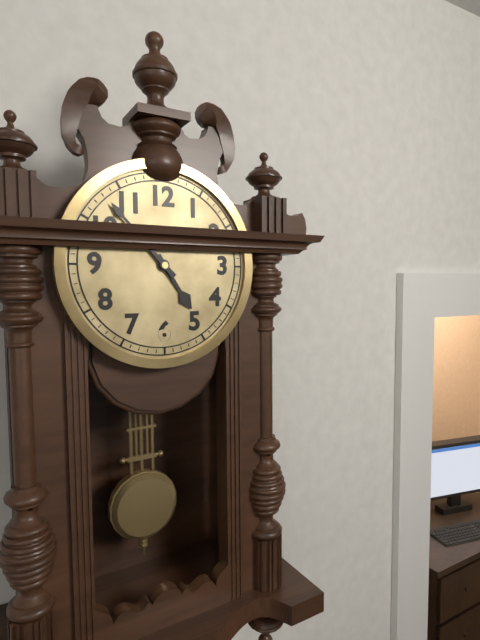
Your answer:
h=4 m=53
